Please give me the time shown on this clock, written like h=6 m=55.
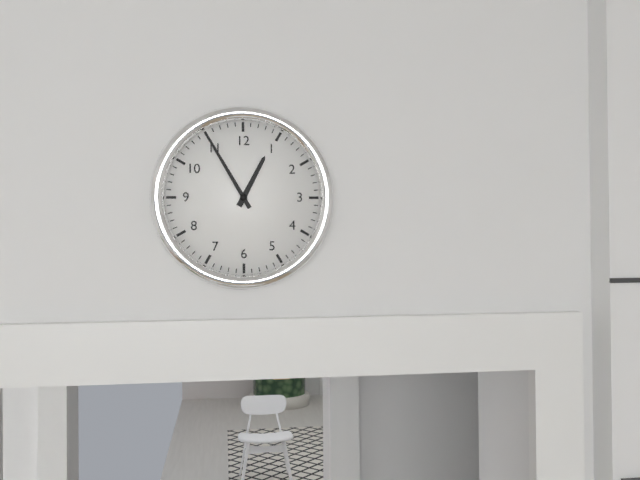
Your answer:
h=12 m=55
